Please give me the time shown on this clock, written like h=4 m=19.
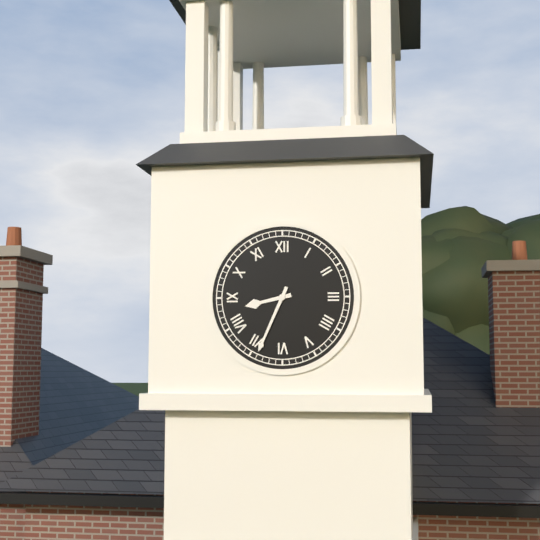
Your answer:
h=8 m=34
